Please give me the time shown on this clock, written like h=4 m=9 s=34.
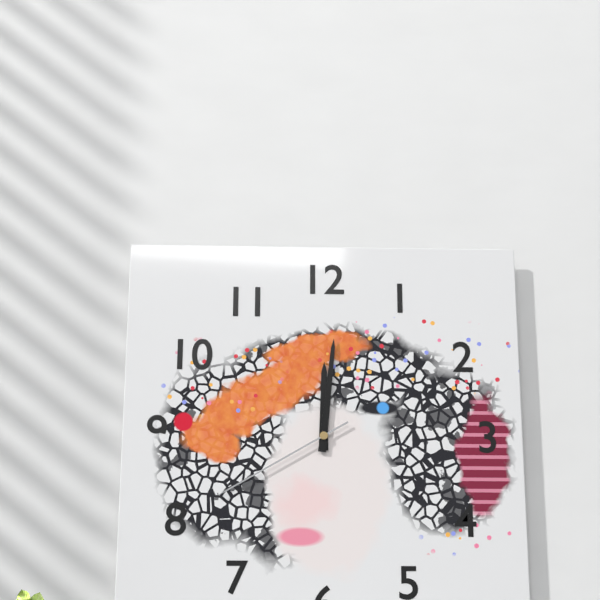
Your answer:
h=12 m=1 s=40
